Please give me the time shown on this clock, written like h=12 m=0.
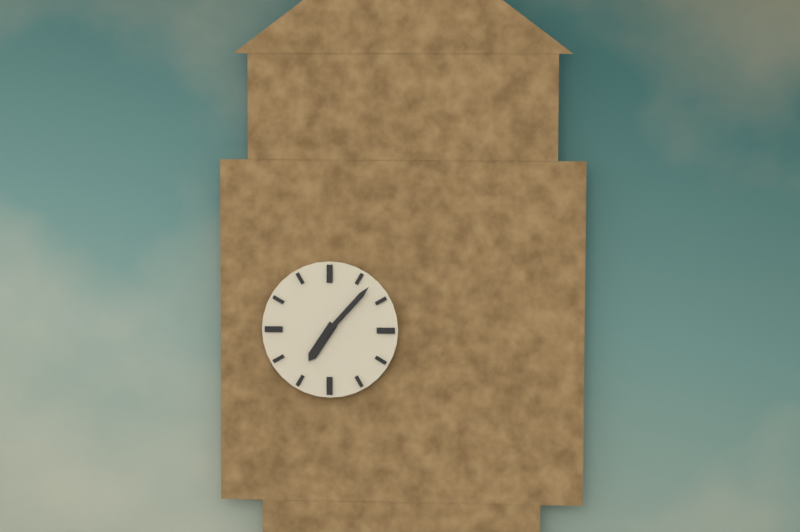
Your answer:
h=7 m=7
